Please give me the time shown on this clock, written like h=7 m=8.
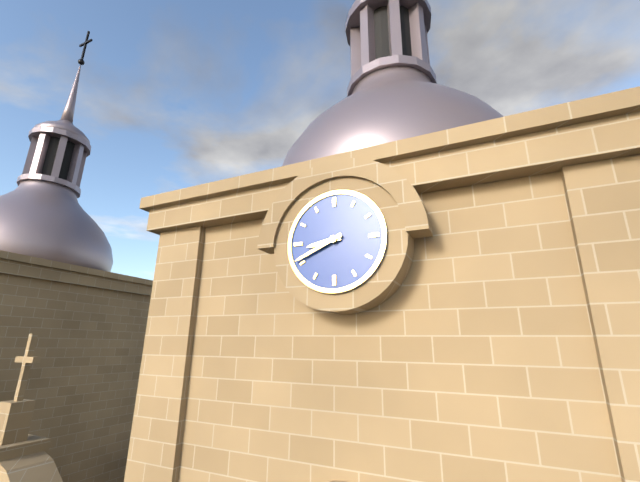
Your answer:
h=8 m=41
